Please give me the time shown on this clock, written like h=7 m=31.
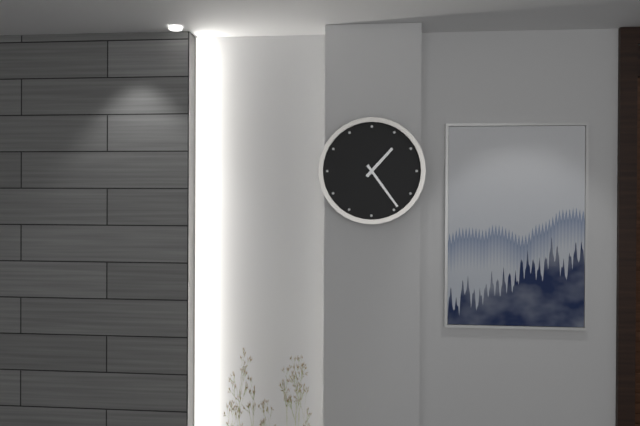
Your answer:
h=1 m=24
